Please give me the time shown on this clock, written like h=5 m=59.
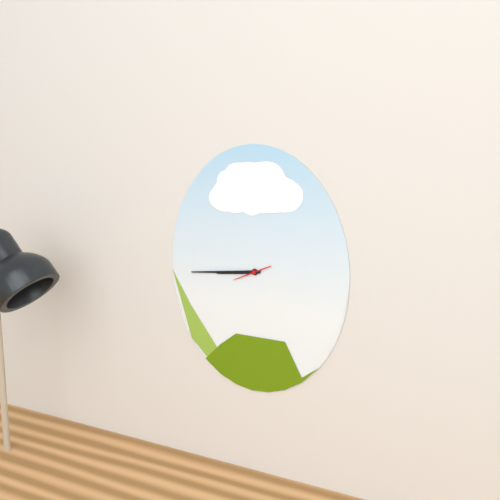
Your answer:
h=8 m=44
